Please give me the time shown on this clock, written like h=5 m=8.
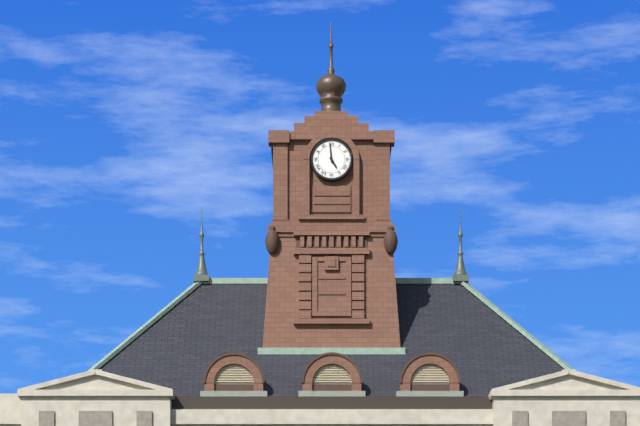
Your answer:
h=4 m=59
